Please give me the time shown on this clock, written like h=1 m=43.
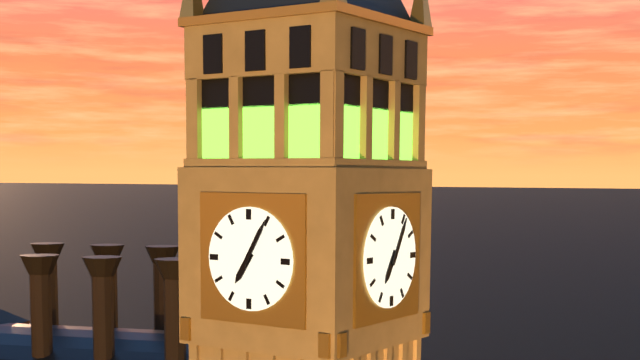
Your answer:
h=7 m=5
